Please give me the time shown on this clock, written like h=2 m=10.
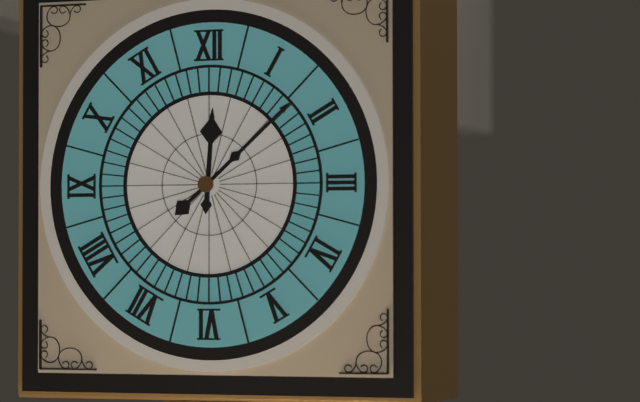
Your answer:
h=12 m=8
